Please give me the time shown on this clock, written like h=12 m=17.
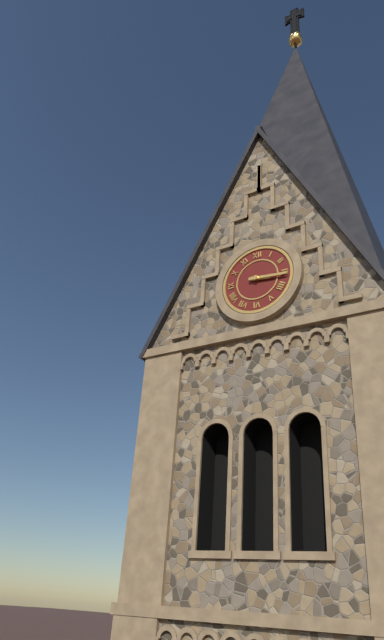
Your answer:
h=3 m=16
